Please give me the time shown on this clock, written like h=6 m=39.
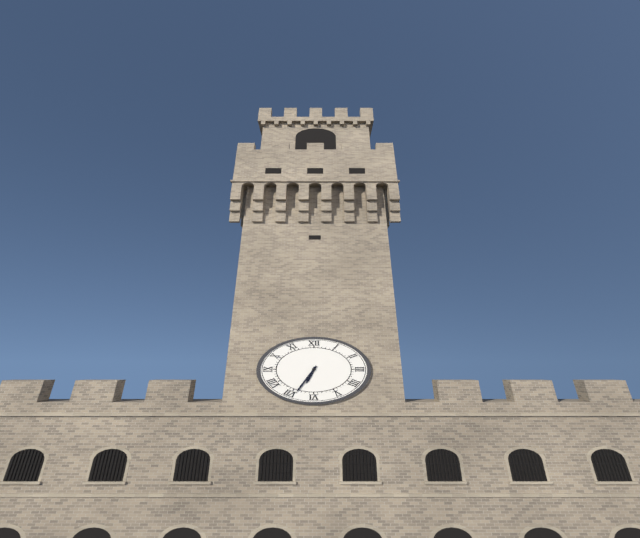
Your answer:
h=6 m=34
